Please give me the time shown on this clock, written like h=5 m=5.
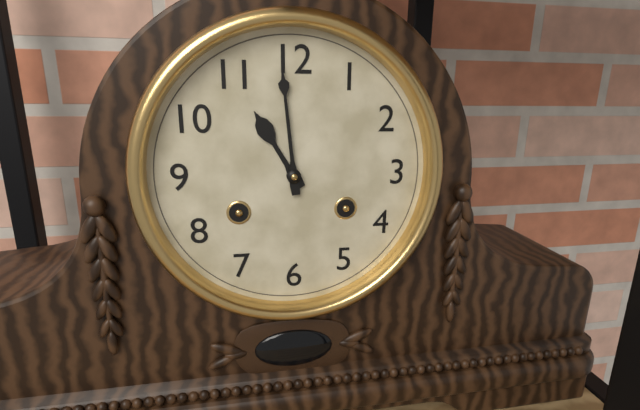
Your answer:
h=10 m=59
